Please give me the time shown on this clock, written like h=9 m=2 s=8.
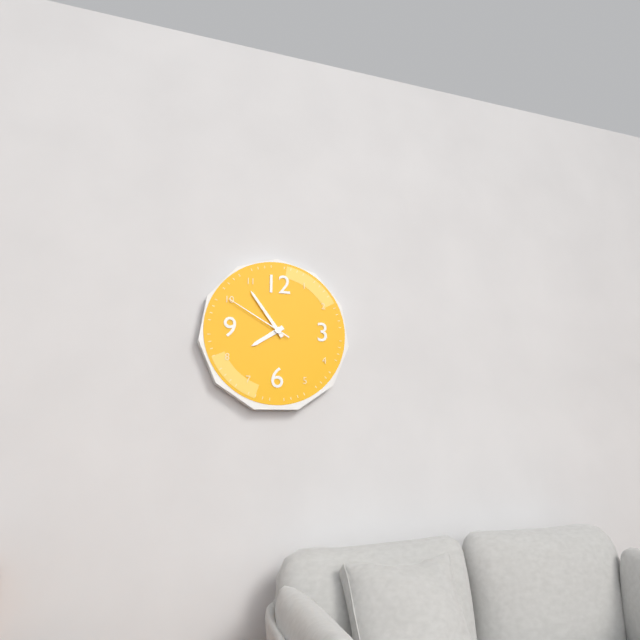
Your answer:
h=7 m=54 s=50
